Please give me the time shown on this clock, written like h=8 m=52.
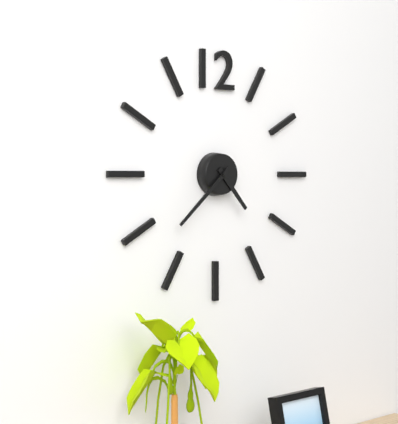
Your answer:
h=4 m=38
